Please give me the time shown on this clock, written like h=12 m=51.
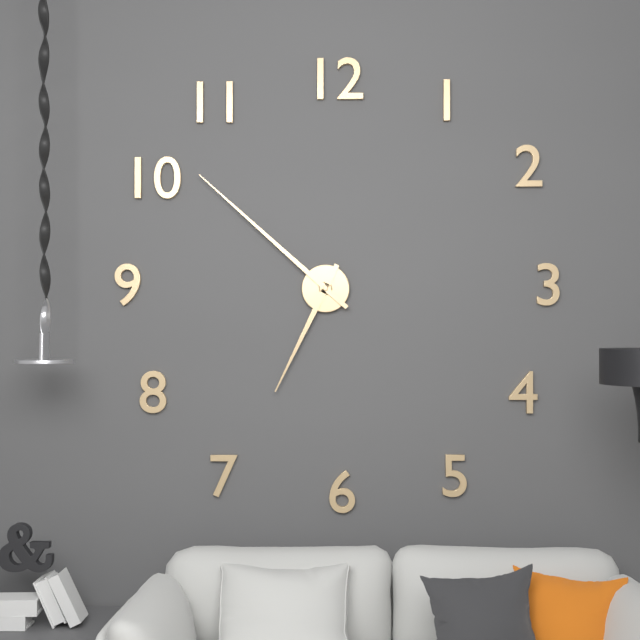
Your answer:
h=6 m=52
